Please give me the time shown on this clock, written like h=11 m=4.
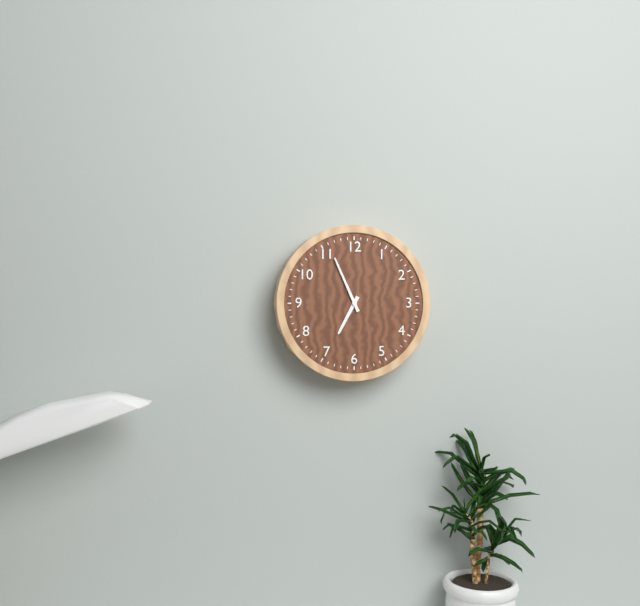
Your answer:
h=6 m=56
